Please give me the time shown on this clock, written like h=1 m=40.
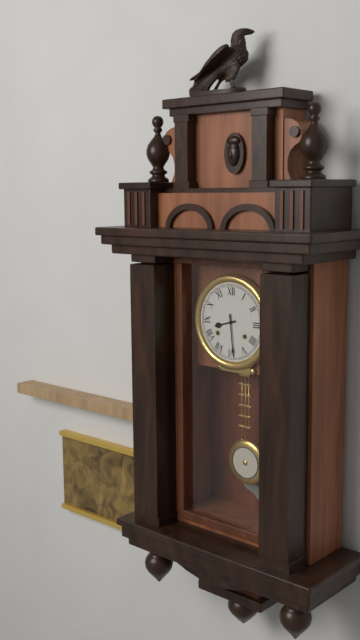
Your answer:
h=8 m=29
